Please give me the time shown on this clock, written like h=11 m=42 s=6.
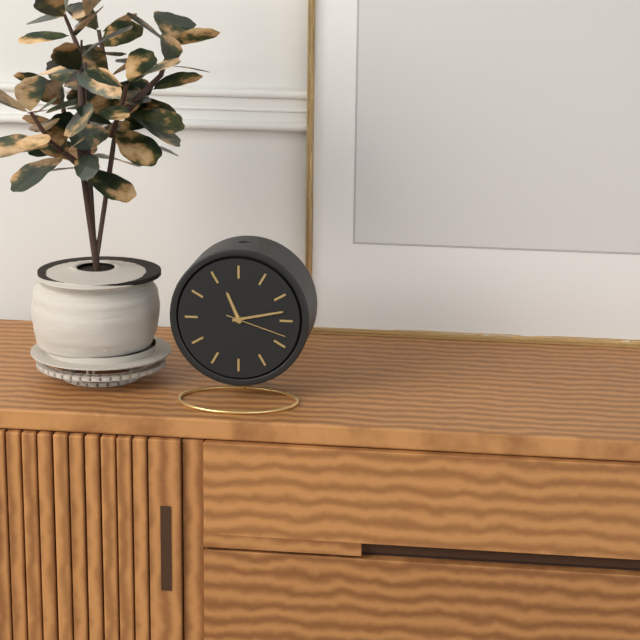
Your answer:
h=11 m=13 s=18
